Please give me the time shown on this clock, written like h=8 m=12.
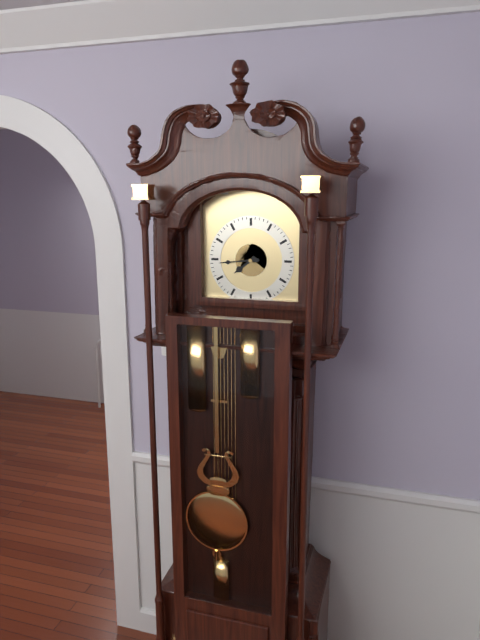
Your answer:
h=7 m=44
